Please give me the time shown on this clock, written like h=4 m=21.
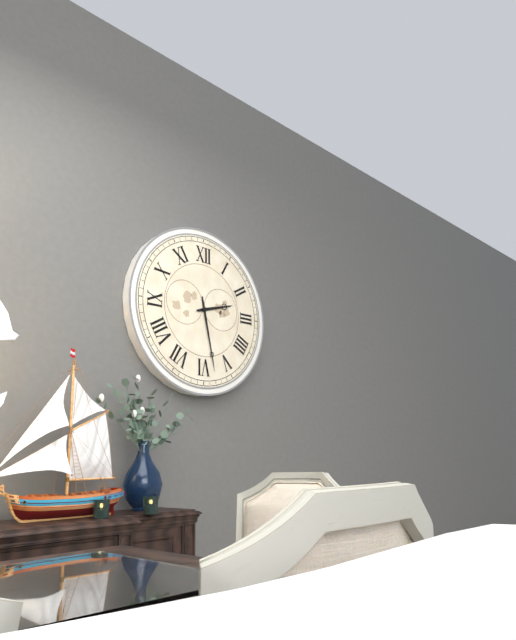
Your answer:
h=2 m=28
